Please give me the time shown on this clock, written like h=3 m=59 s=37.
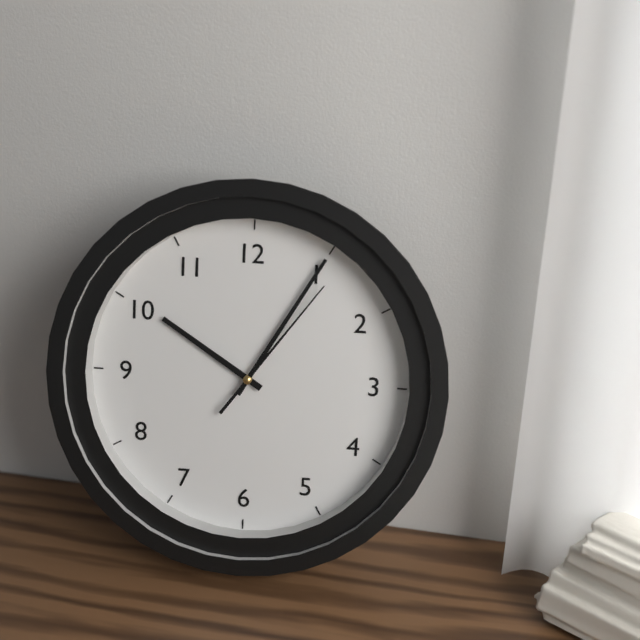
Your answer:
h=10 m=5 s=6
